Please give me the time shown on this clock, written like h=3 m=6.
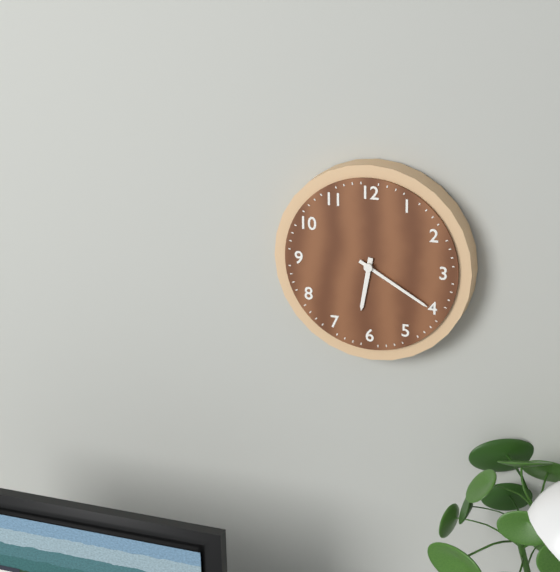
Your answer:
h=6 m=20
